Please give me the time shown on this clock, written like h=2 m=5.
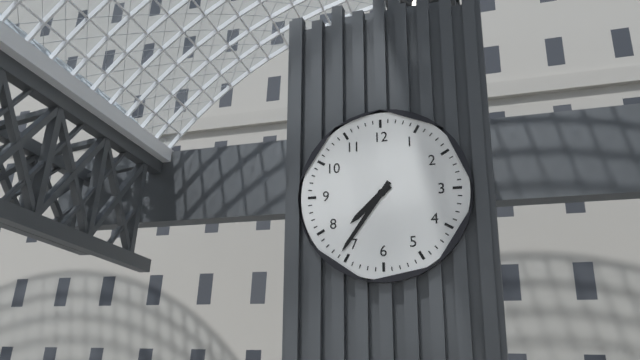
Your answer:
h=7 m=36
